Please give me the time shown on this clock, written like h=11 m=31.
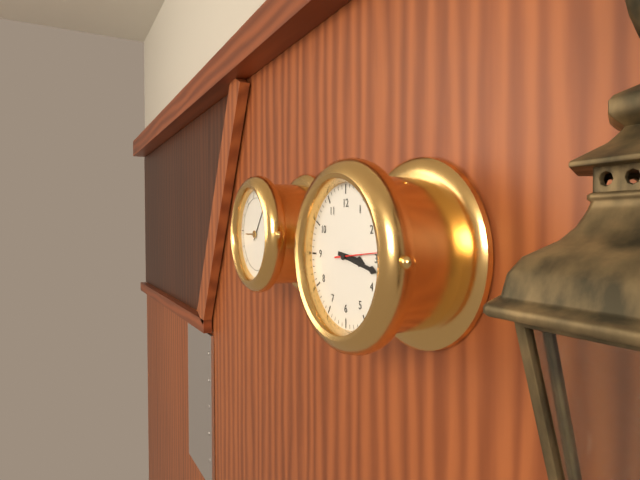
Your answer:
h=3 m=17
